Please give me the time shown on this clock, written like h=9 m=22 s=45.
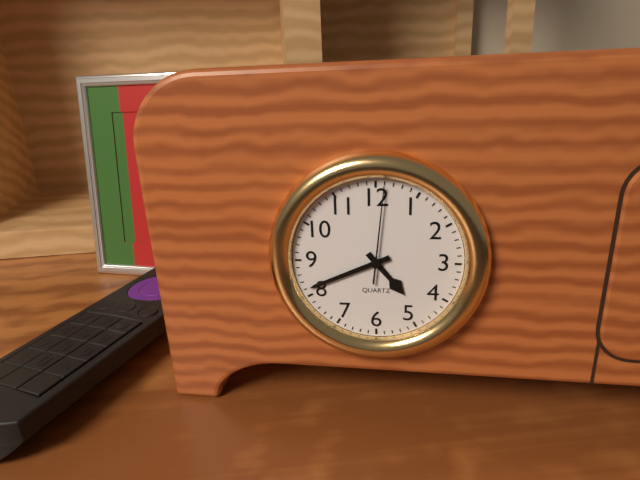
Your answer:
h=4 m=41 s=1
